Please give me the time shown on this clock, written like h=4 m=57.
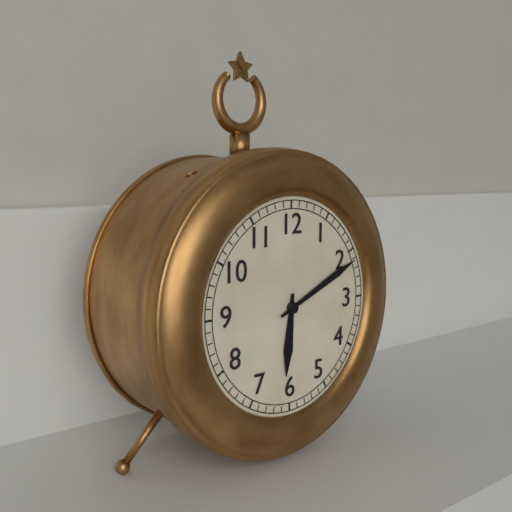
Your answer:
h=6 m=11
